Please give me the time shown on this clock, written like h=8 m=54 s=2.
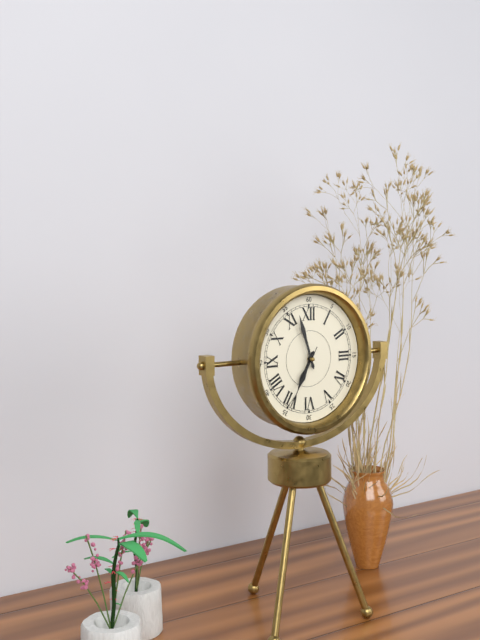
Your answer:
h=6 m=57 s=35
